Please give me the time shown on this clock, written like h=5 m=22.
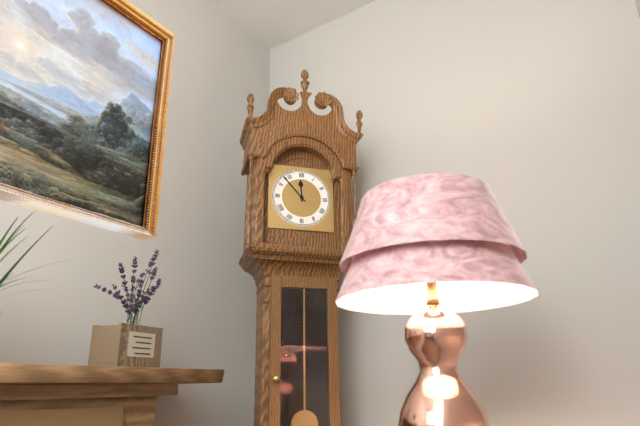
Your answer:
h=11 m=53
